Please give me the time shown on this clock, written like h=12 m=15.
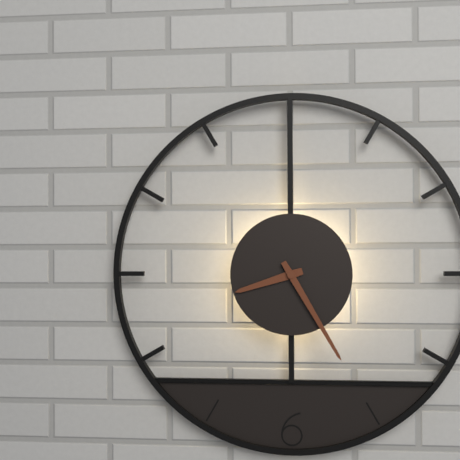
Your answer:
h=8 m=25
